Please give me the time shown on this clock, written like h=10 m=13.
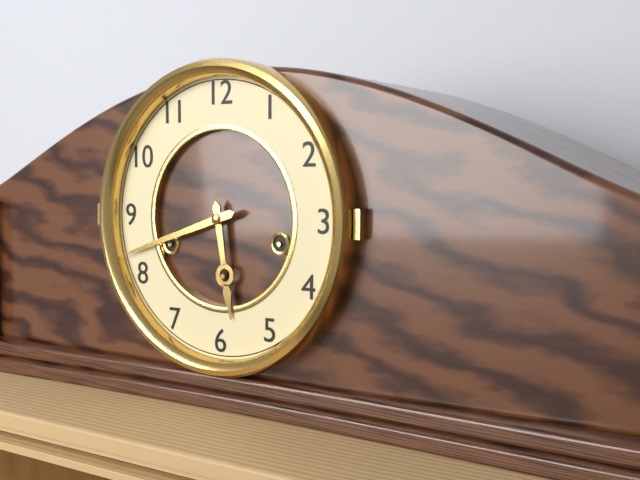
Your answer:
h=5 m=42
